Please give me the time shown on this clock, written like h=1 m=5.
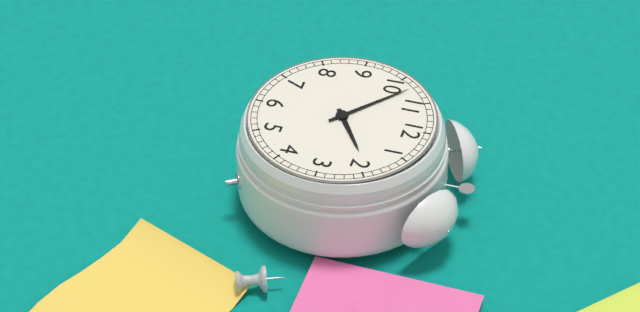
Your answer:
h=1 m=52
